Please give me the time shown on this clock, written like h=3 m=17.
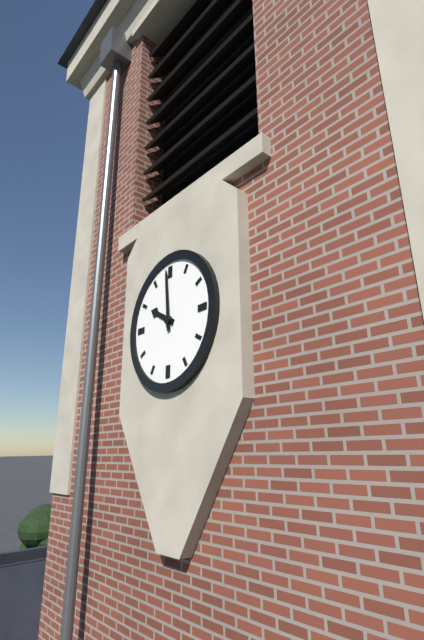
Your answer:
h=9 m=59
